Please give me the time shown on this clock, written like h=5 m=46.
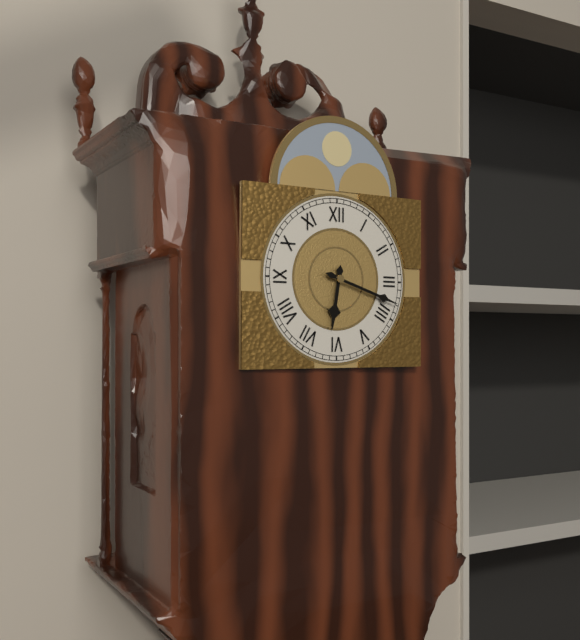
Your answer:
h=6 m=18
